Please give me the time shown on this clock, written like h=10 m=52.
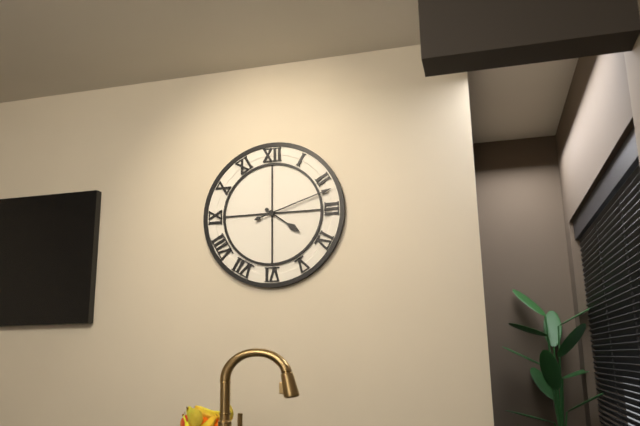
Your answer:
h=4 m=12
